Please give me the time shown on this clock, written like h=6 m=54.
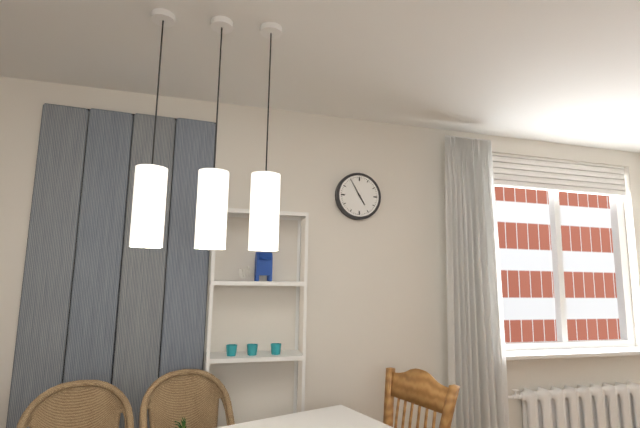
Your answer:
h=4 m=55
